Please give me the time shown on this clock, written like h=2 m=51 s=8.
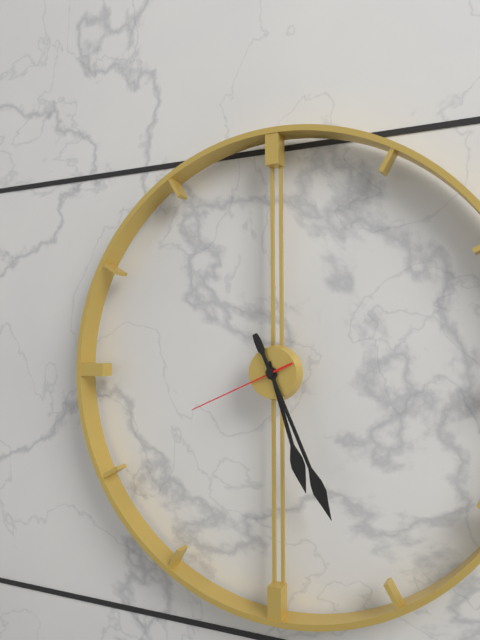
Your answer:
h=5 m=26 s=41
